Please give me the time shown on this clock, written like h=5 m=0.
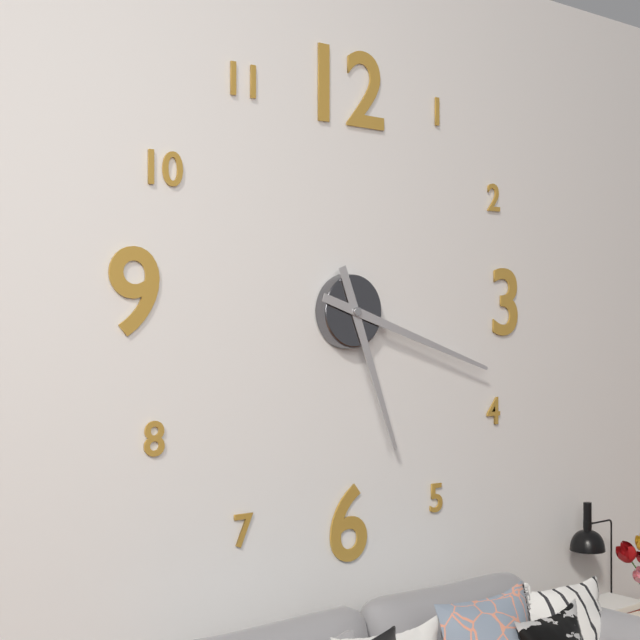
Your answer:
h=5 m=18
